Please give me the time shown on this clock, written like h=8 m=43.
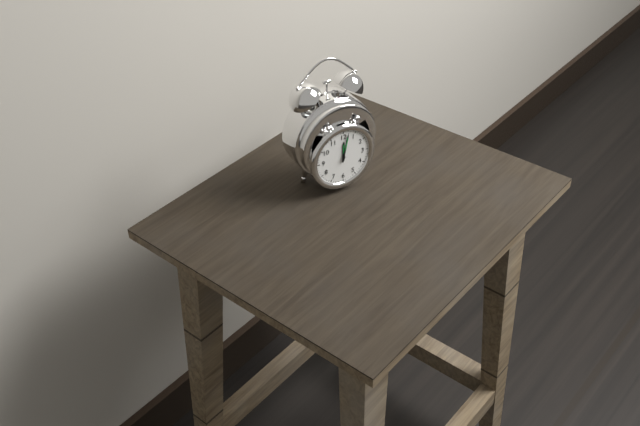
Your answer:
h=12 m=2
